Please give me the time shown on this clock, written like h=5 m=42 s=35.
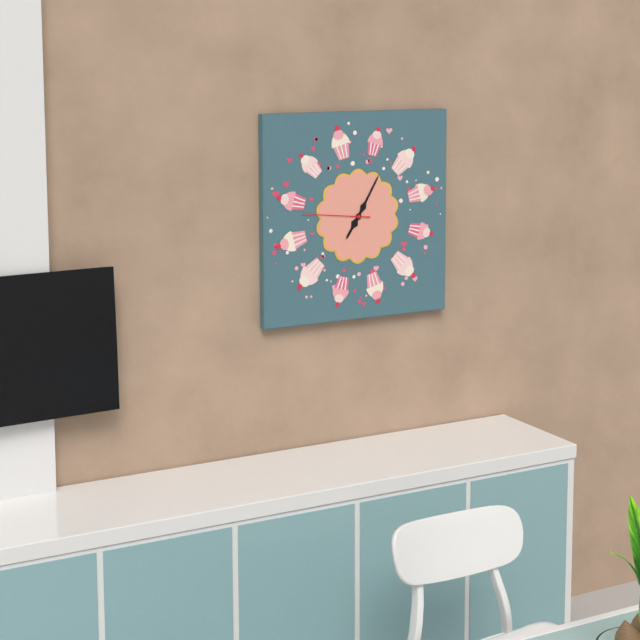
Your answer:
h=7 m=5 s=46
